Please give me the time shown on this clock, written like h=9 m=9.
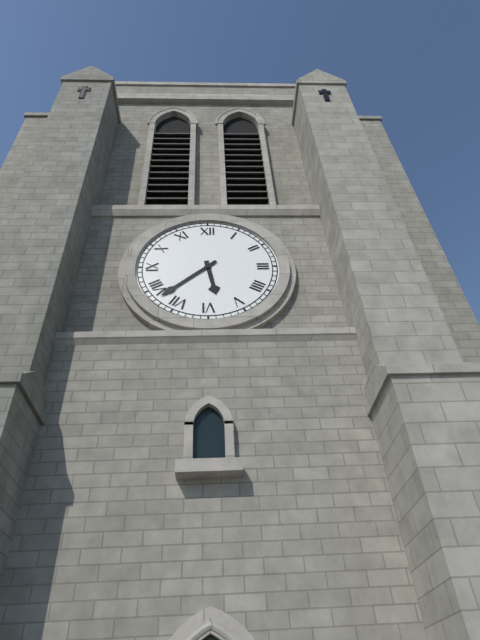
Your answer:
h=5 m=38
